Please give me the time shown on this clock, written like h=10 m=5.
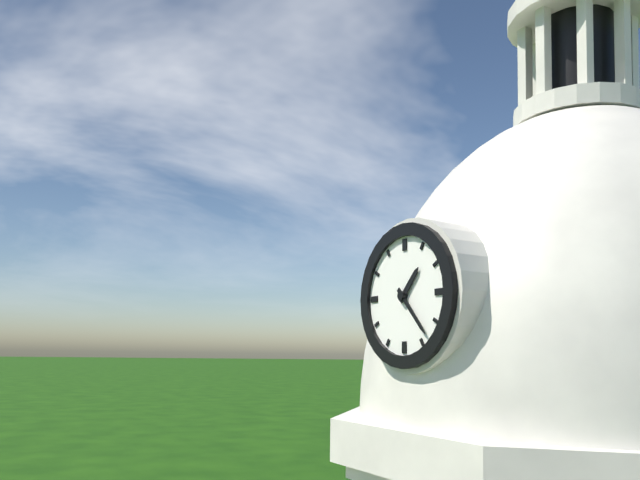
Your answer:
h=1 m=23
